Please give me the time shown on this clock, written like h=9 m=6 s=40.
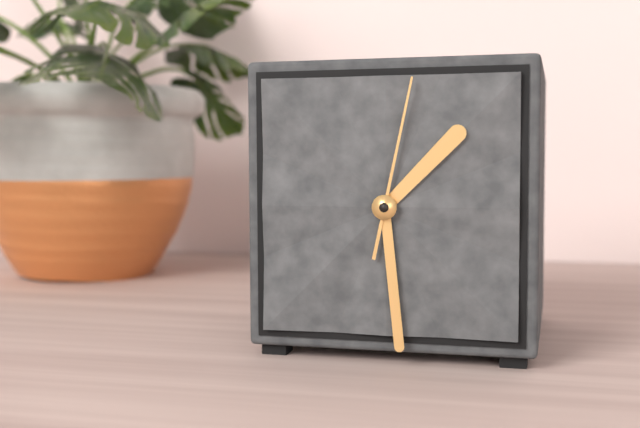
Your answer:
h=1 m=29 s=2
